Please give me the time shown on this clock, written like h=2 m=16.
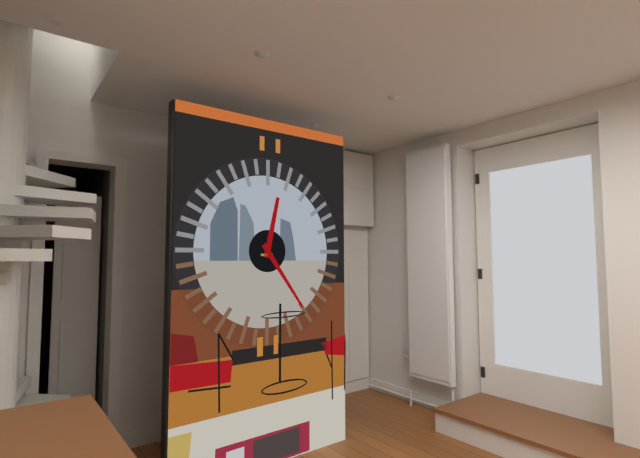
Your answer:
h=12 m=24
